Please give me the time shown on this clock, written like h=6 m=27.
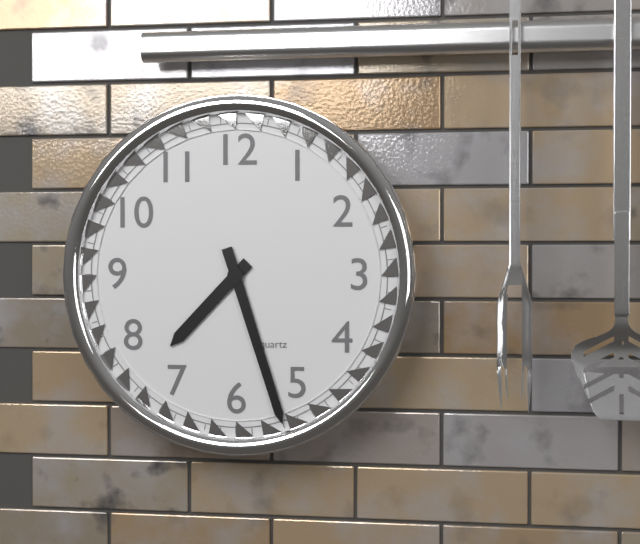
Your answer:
h=7 m=27
